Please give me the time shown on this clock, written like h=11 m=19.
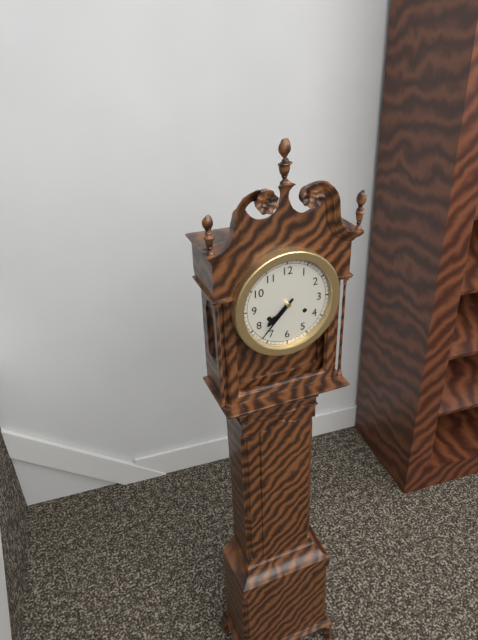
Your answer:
h=7 m=37
